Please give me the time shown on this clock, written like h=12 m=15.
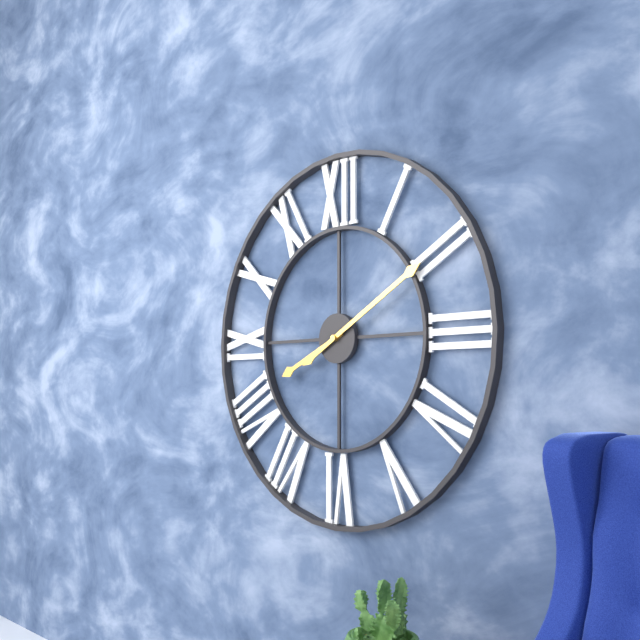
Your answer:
h=8 m=10
